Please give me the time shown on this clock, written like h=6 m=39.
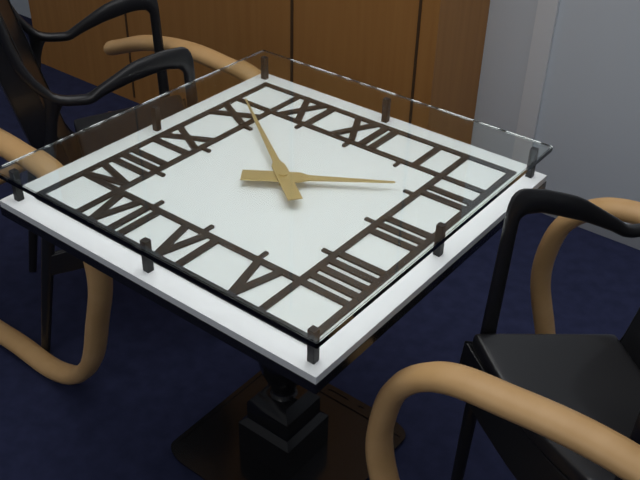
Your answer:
h=1 m=51
